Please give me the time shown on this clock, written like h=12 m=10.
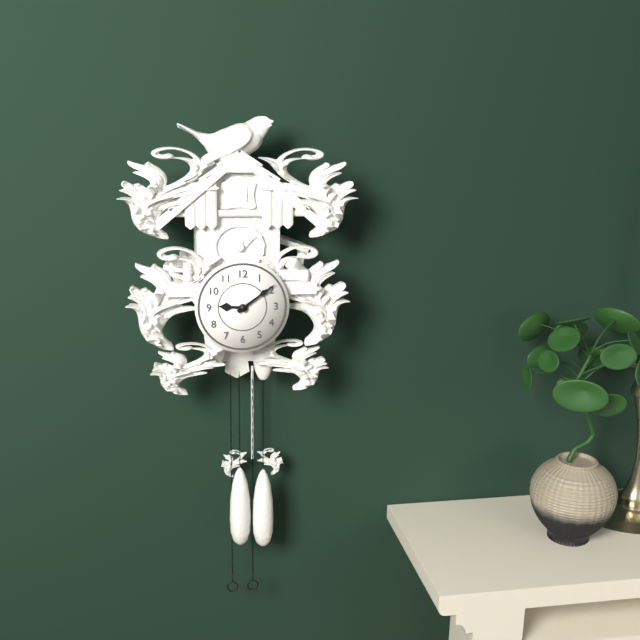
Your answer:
h=9 m=9
